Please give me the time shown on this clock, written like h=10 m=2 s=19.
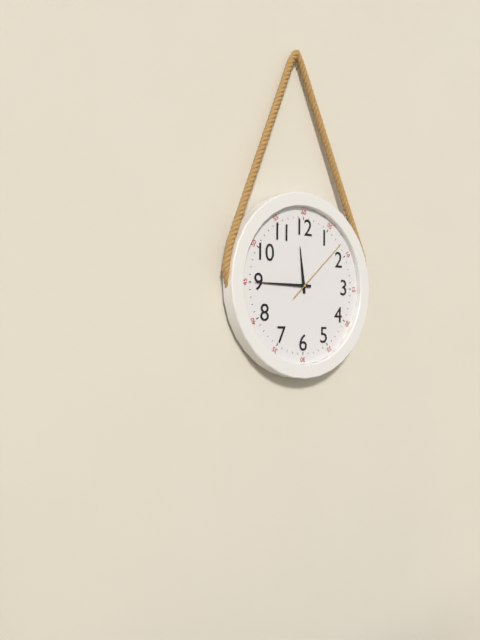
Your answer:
h=11 m=45 s=8
